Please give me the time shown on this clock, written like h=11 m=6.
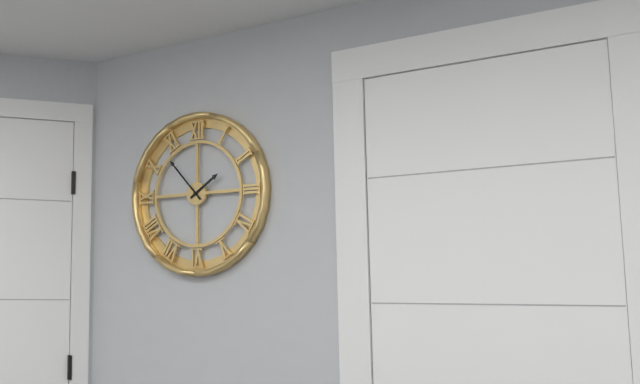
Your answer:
h=1 m=53
